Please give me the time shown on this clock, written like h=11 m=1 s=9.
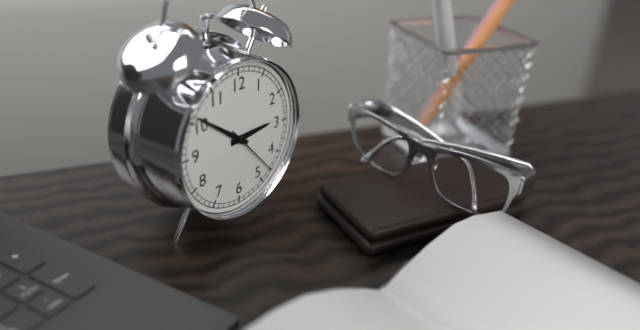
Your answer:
h=2 m=51 s=23
